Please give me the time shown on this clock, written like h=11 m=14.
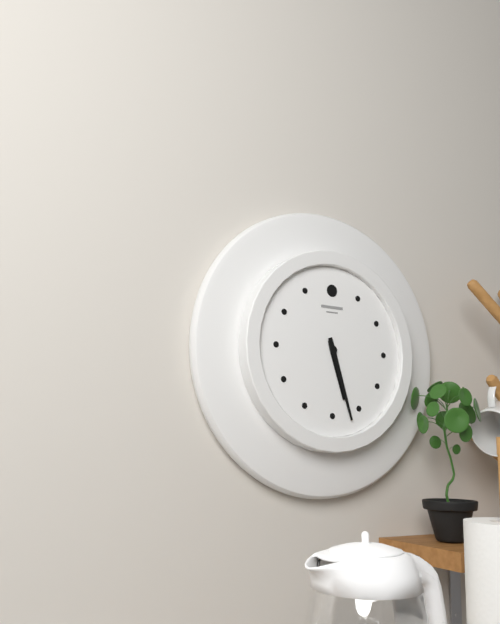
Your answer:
h=5 m=27
